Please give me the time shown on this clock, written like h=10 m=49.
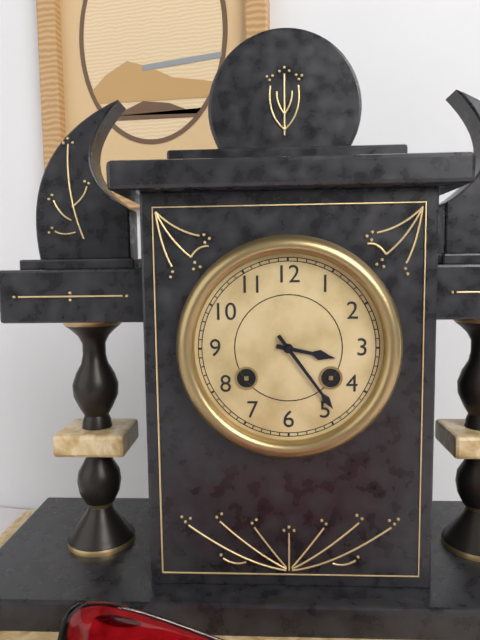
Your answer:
h=3 m=24
